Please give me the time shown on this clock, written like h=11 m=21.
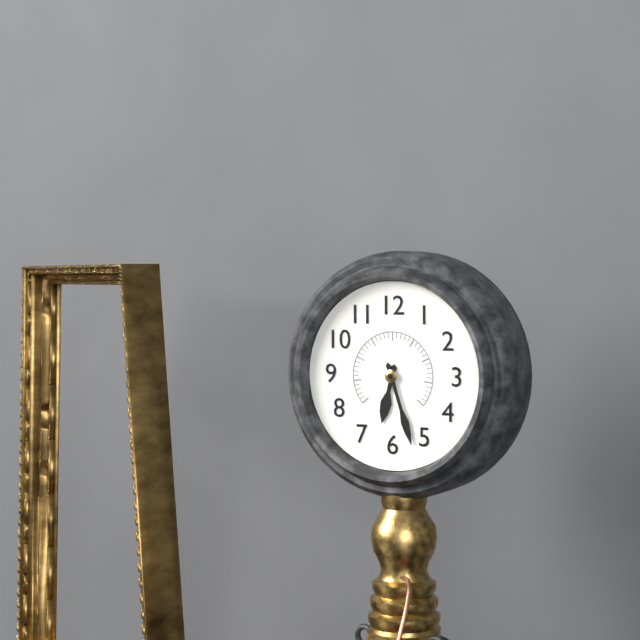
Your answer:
h=6 m=27
